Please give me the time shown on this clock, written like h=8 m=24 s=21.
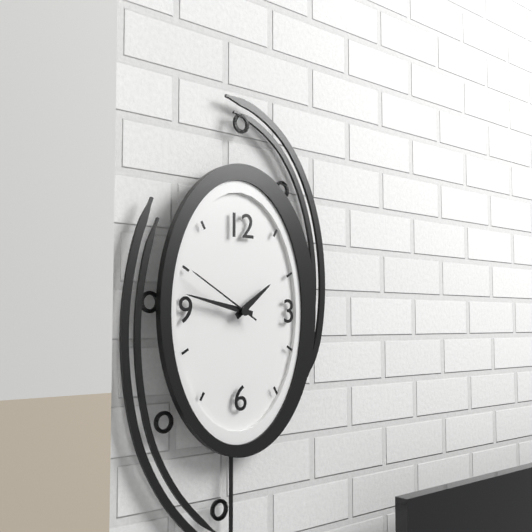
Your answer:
h=1 m=47 s=50
